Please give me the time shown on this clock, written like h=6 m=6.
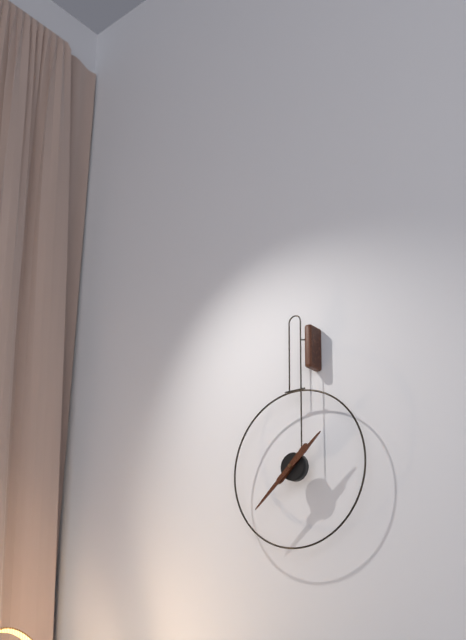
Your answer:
h=1 m=38
